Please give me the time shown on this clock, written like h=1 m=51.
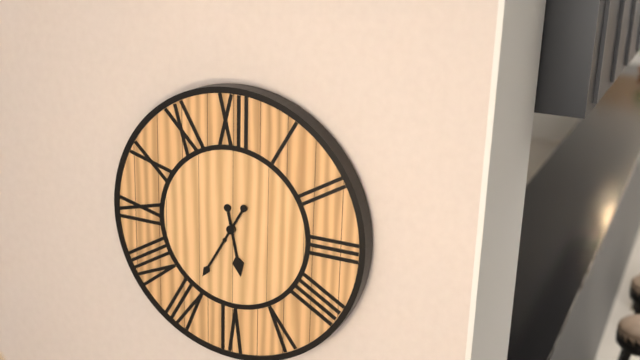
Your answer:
h=5 m=35
